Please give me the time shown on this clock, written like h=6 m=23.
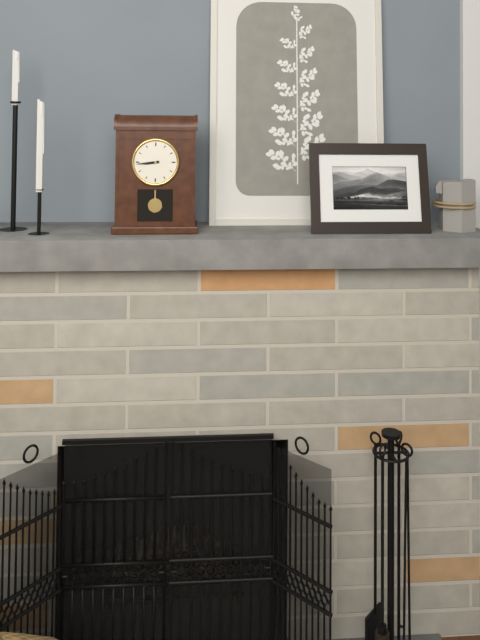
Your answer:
h=8 m=44
